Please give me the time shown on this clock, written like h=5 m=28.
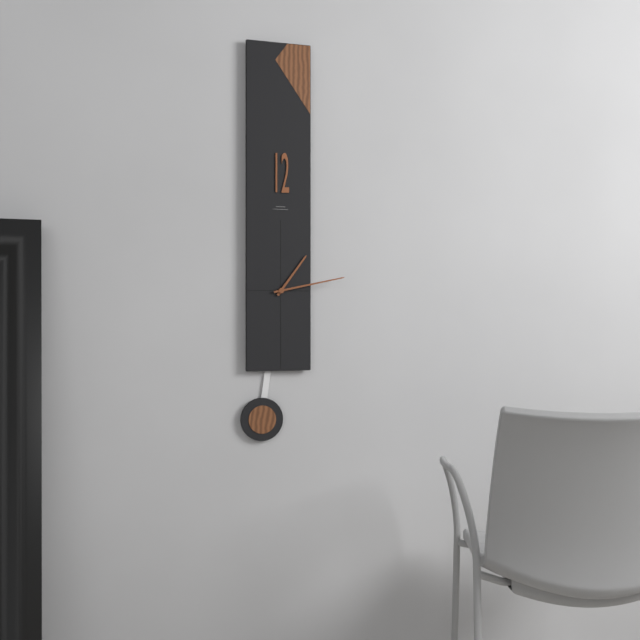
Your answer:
h=1 m=13
